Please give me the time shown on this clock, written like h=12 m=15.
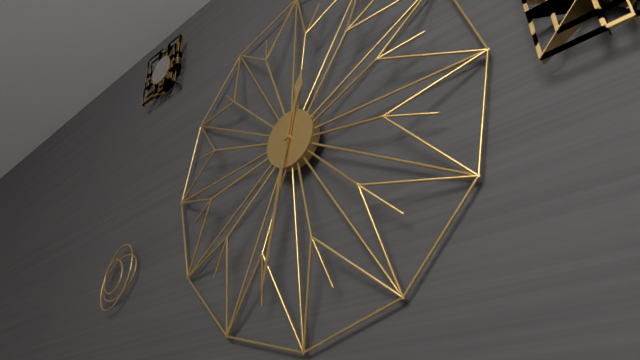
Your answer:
h=12 m=32
